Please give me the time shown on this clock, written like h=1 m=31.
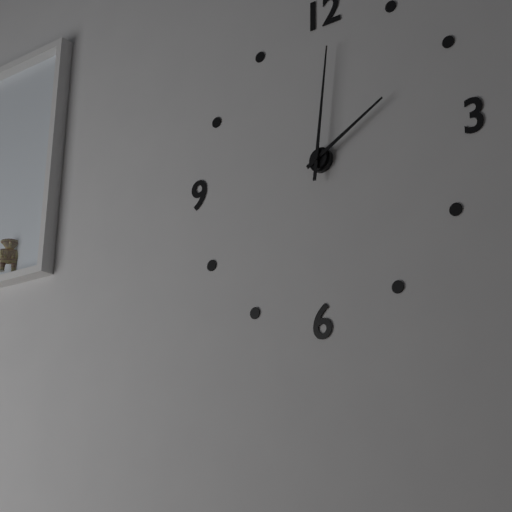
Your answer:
h=2 m=1
